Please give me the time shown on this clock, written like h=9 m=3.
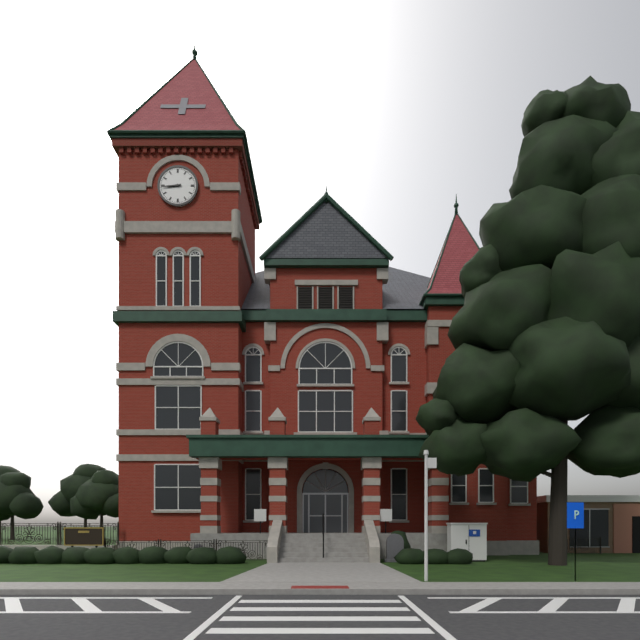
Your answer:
h=8 m=44
